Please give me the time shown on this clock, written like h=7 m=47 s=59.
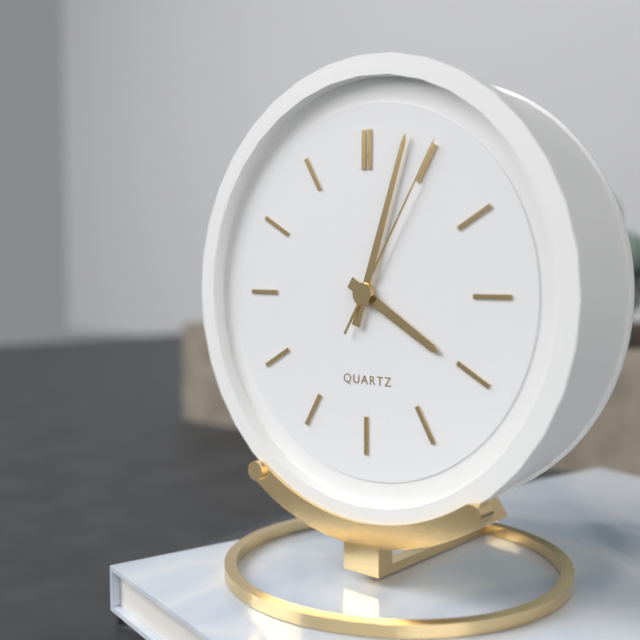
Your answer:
h=4 m=3 s=5
